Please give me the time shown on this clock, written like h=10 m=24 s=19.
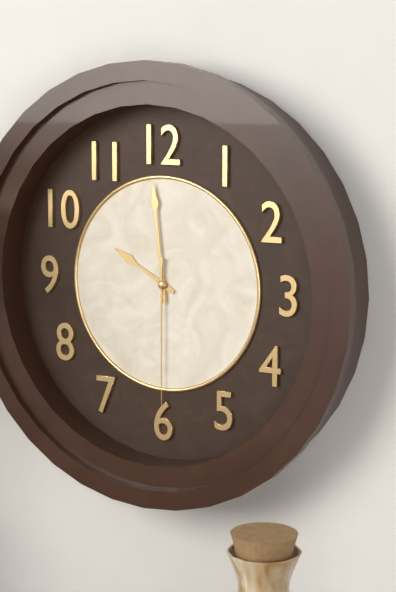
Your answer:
h=9 m=59 s=30
